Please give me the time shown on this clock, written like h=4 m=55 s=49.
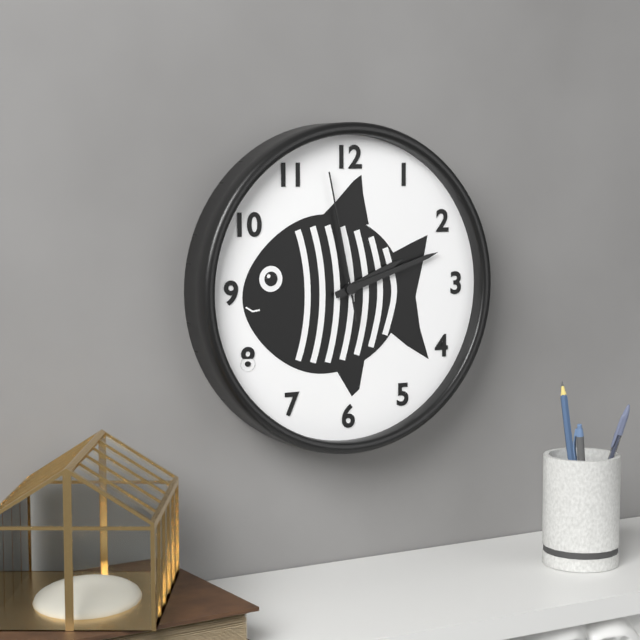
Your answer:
h=2 m=12 s=58
